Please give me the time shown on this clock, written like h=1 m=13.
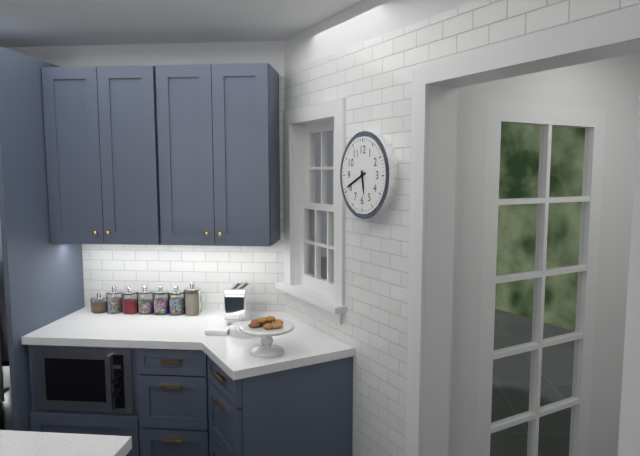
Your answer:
h=5 m=41
